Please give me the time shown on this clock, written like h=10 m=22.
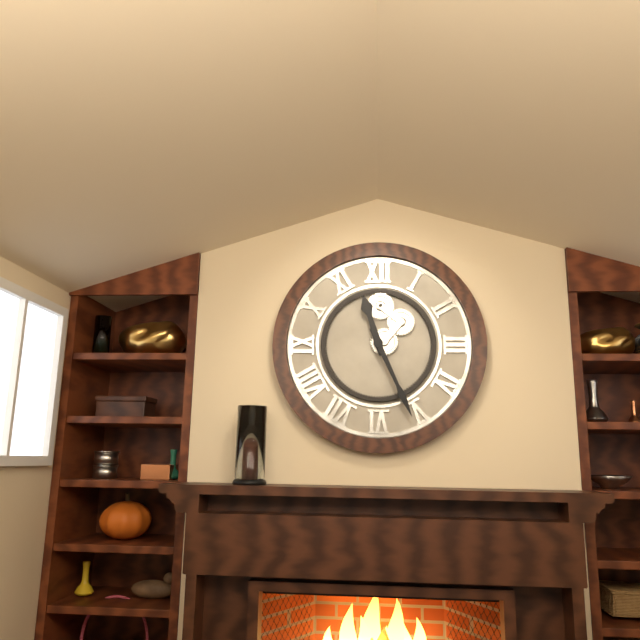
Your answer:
h=11 m=26
